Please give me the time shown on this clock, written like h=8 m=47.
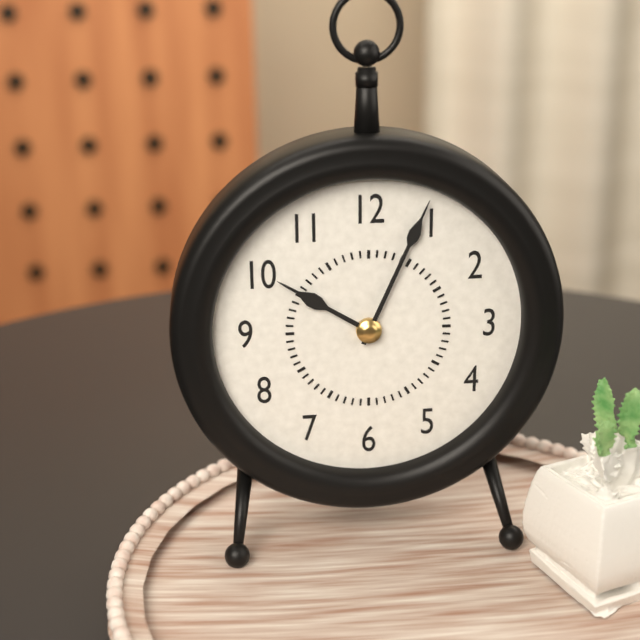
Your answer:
h=10 m=4
